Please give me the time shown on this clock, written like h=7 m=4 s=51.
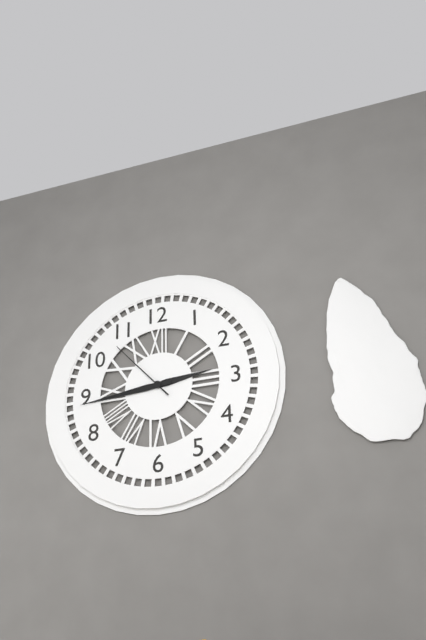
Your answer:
h=2 m=44 s=53
